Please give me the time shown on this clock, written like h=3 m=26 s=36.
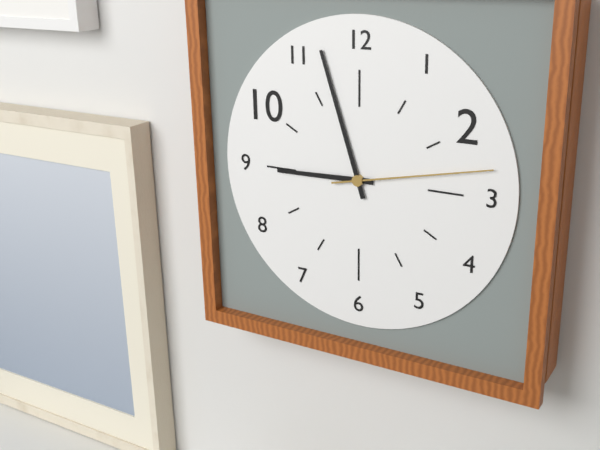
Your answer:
h=8 m=57 s=13
